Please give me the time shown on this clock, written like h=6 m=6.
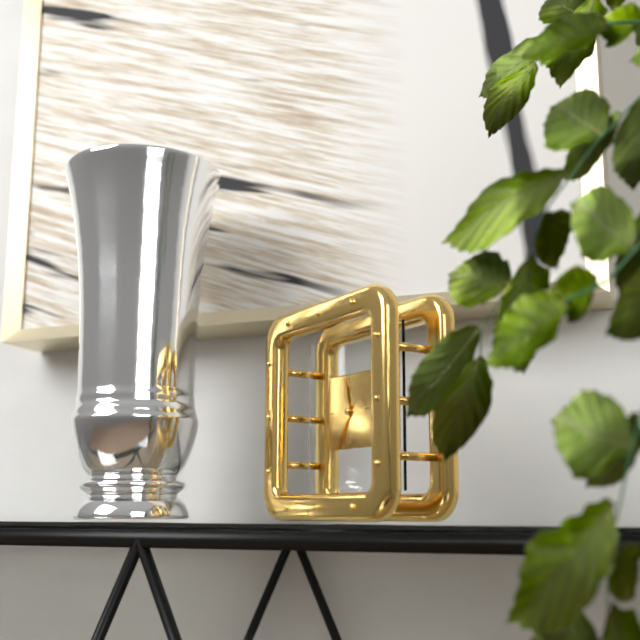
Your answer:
h=11 m=35
